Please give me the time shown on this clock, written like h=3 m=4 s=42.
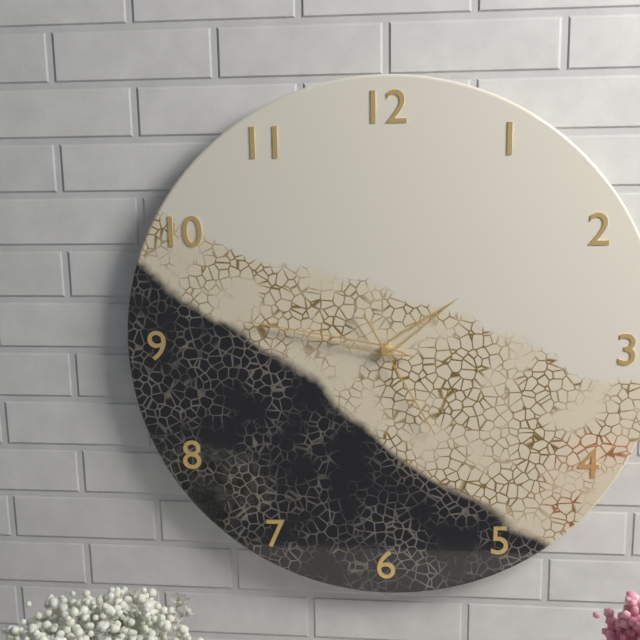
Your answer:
h=1 m=47 s=25
